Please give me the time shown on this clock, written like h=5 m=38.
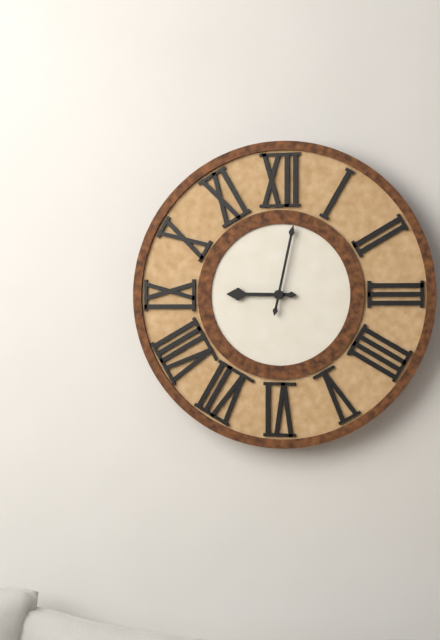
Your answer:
h=9 m=2
